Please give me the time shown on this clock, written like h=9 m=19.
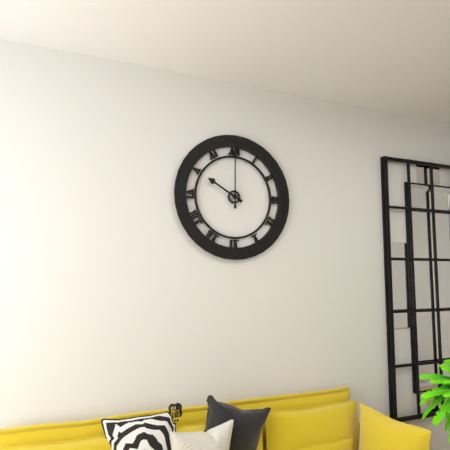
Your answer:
h=10 m=0
